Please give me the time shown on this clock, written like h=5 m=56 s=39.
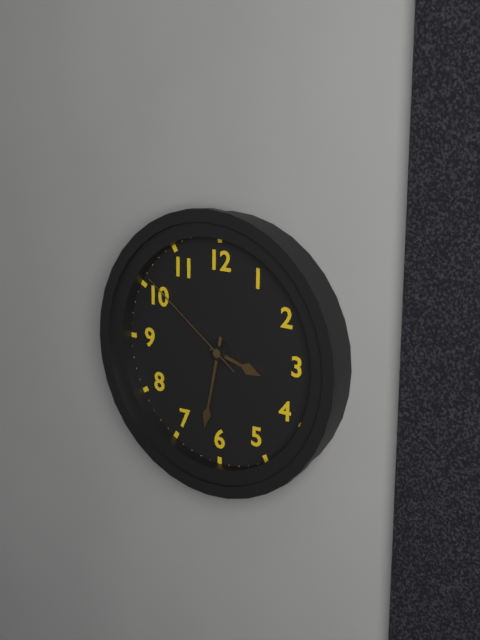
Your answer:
h=3 m=32 s=51
